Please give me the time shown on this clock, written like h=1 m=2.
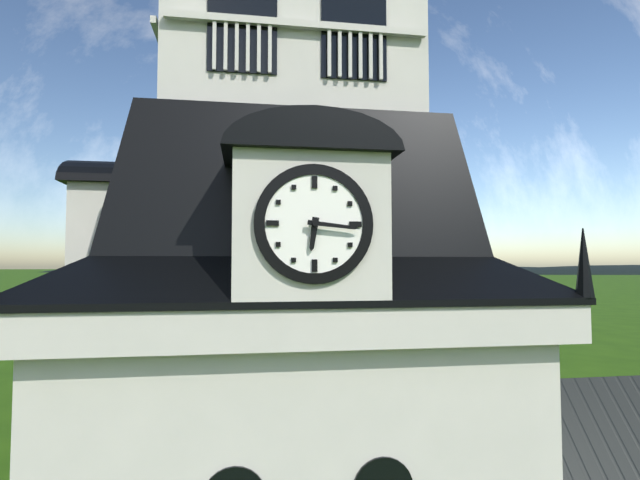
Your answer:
h=6 m=16
